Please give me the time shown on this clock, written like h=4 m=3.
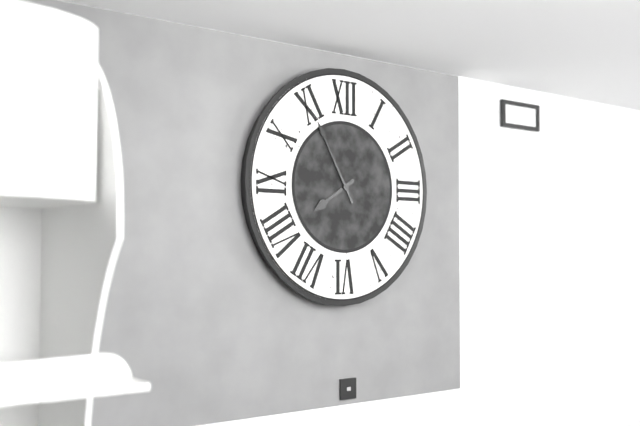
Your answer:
h=7 m=55
